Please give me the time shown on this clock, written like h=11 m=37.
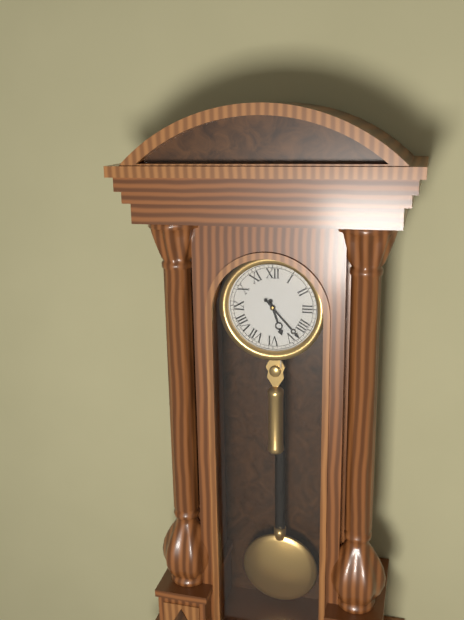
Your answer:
h=5 m=23
